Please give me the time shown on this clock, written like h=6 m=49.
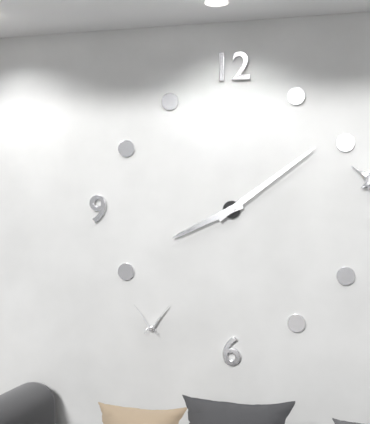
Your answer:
h=8 m=9
